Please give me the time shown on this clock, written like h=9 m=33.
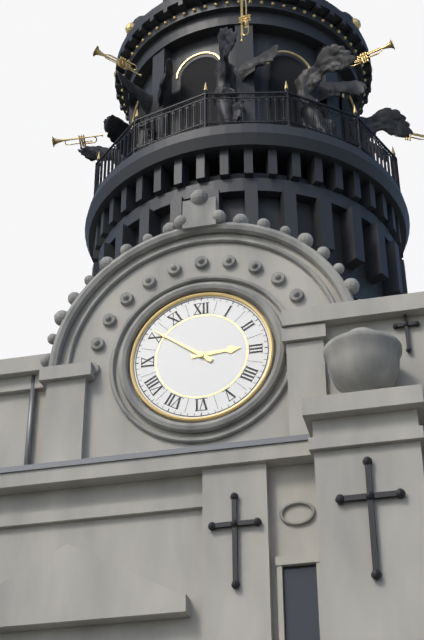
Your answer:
h=2 m=51
